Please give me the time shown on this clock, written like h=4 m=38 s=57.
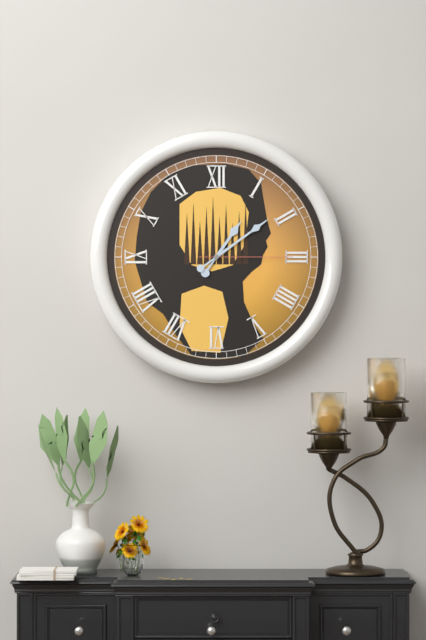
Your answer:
h=1 m=9 s=15
